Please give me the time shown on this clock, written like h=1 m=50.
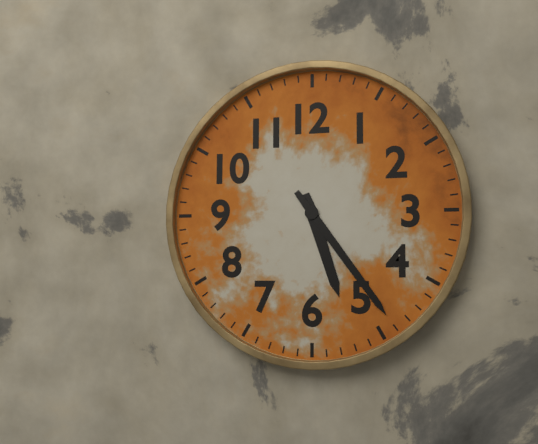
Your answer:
h=5 m=24
